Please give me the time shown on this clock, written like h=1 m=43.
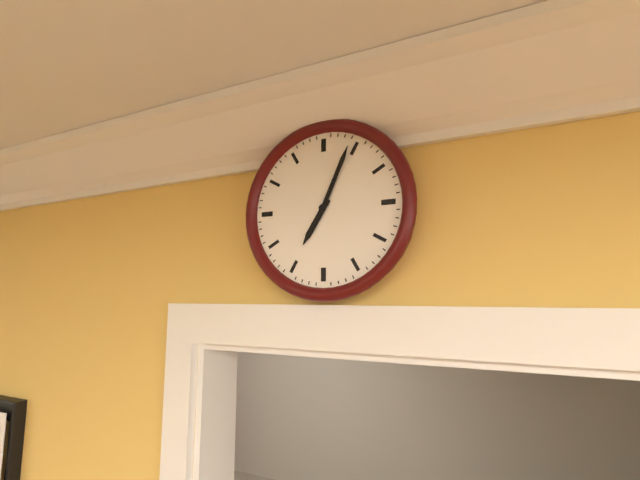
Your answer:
h=7 m=4
